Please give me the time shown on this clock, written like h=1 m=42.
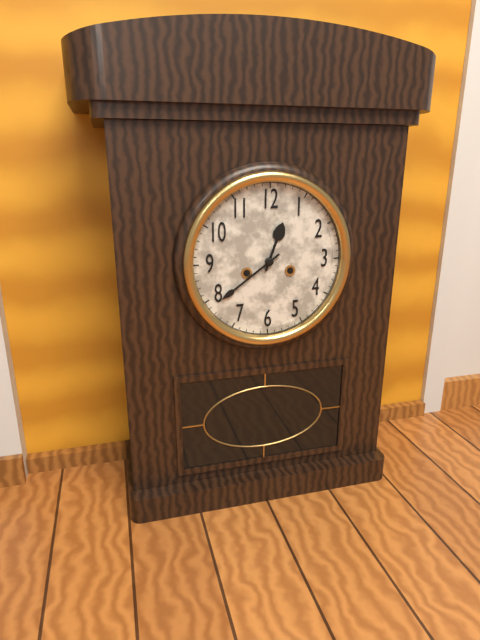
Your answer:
h=12 m=39
